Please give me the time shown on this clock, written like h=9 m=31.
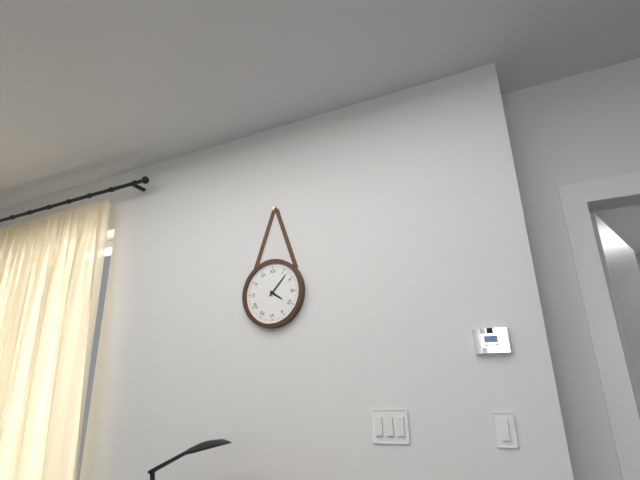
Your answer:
h=4 m=7
